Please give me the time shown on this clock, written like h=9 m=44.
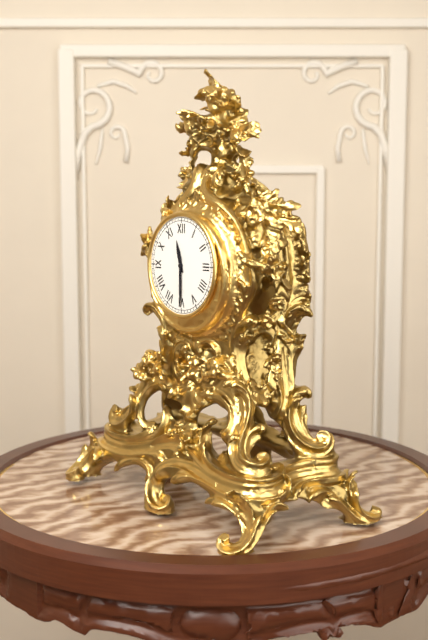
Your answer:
h=11 m=30
